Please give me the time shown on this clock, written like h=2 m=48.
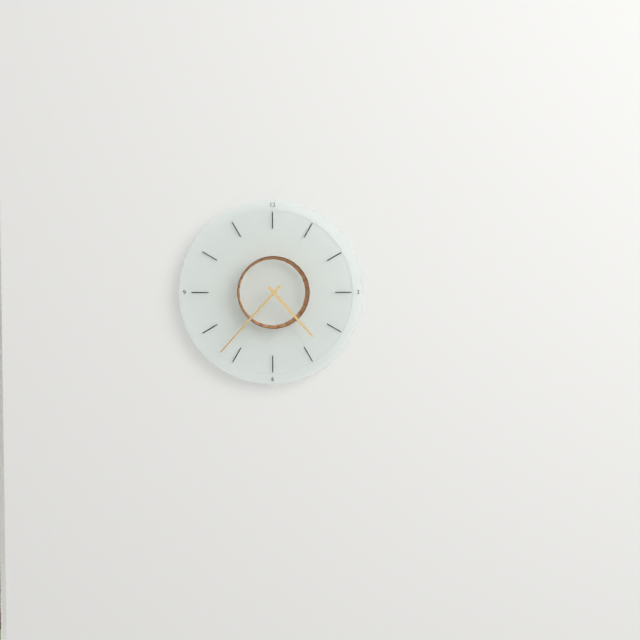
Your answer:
h=4 m=37
